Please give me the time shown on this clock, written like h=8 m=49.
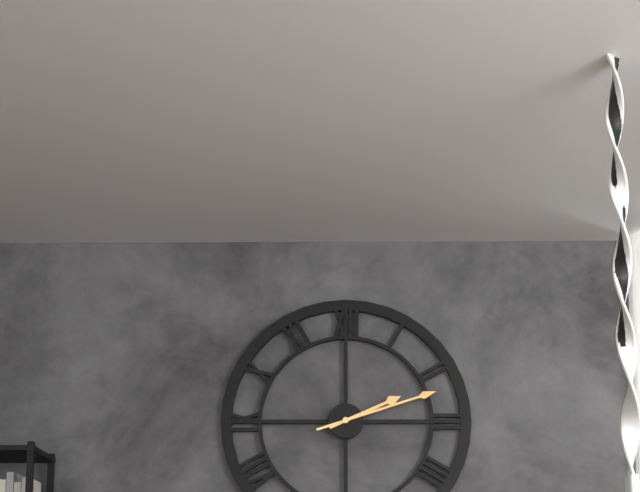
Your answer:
h=2 m=12
